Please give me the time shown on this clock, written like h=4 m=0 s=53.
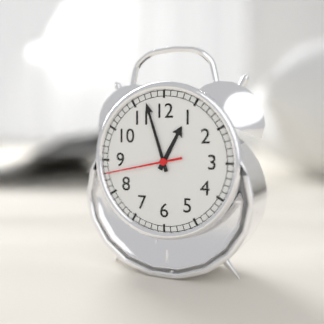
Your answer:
h=12 m=57 s=43
